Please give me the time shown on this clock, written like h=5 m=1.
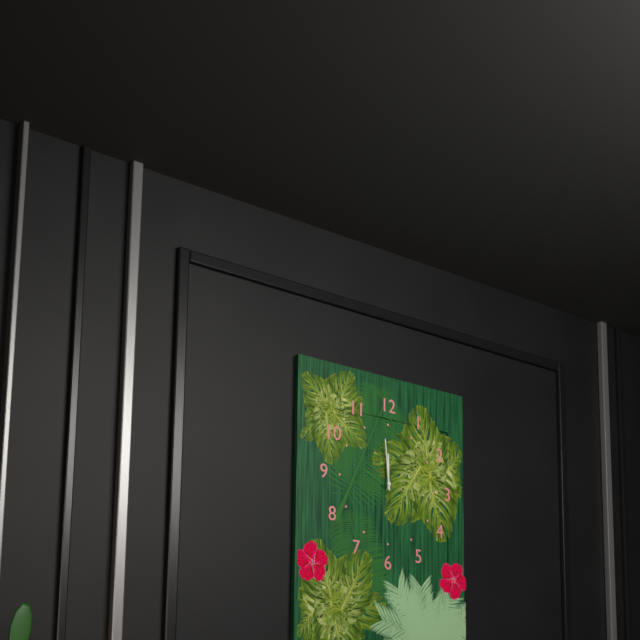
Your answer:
h=11 m=59
